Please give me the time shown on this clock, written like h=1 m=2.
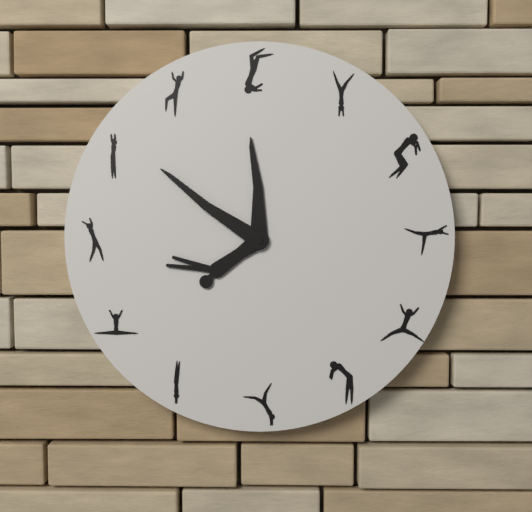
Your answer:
h=11 m=51
